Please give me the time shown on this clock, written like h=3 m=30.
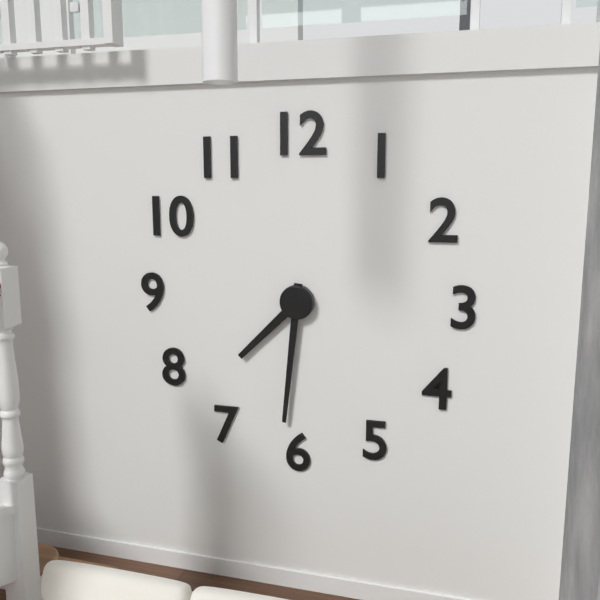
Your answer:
h=7 m=31
